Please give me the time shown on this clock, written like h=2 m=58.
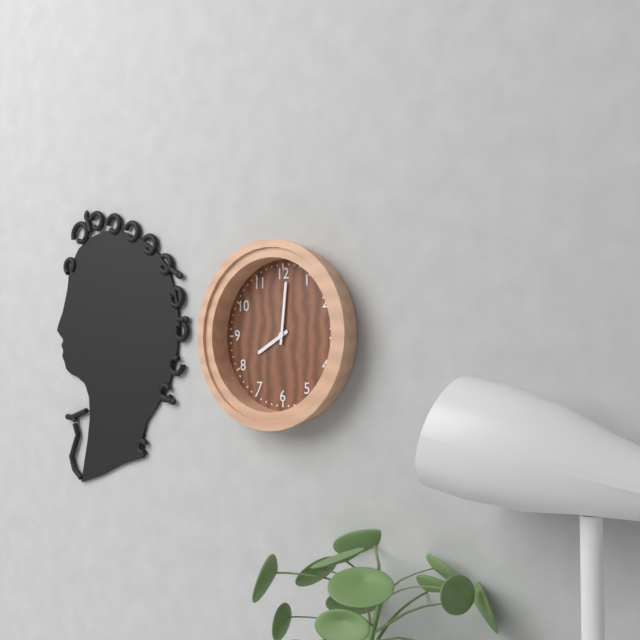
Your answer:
h=8 m=1
